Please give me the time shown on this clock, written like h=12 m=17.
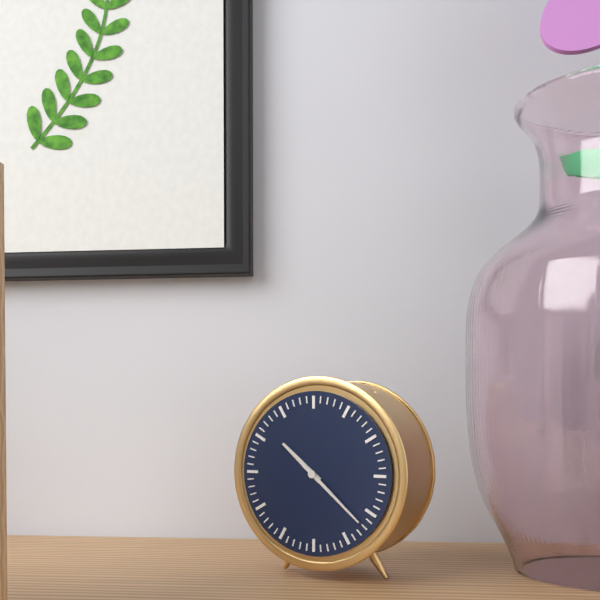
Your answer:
h=10 m=22
